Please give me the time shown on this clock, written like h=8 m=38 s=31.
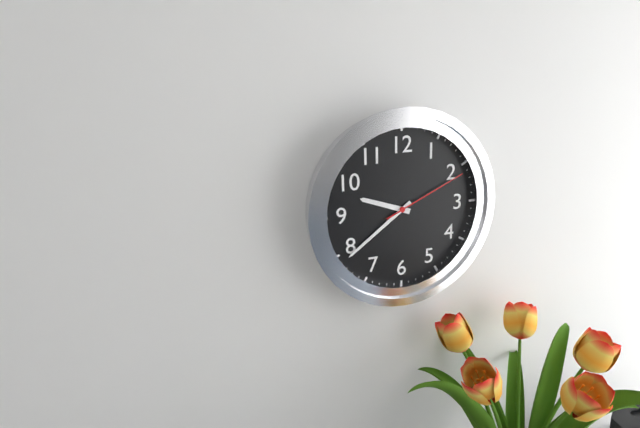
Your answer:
h=9 m=39 s=11
